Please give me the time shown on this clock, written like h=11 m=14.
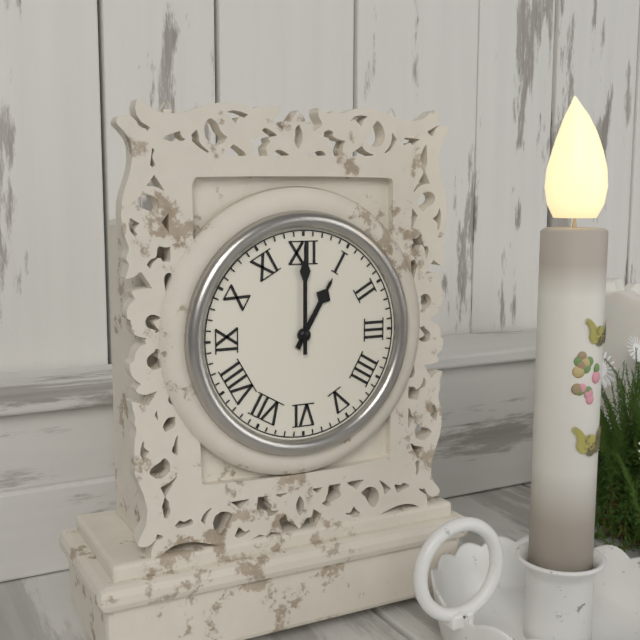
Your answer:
h=1 m=0
